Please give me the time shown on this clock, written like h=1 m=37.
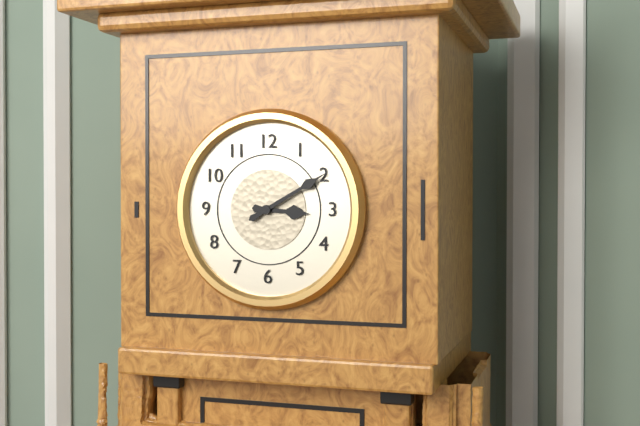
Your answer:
h=3 m=10
